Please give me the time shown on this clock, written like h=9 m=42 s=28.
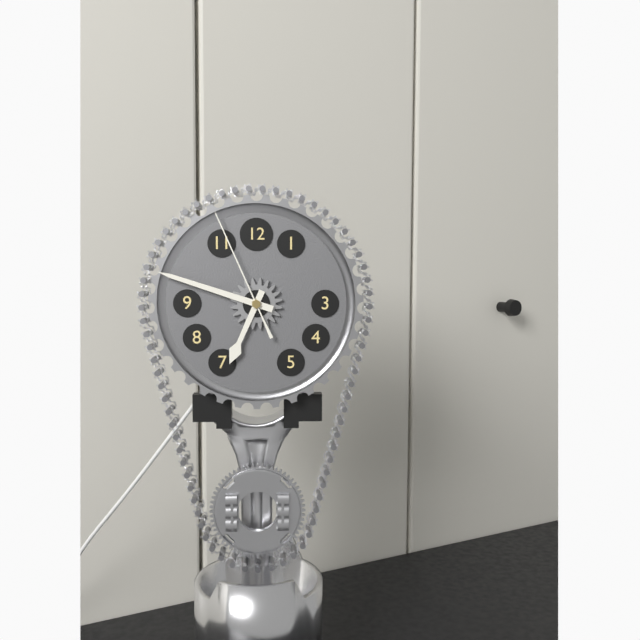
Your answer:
h=6 m=48 s=56
